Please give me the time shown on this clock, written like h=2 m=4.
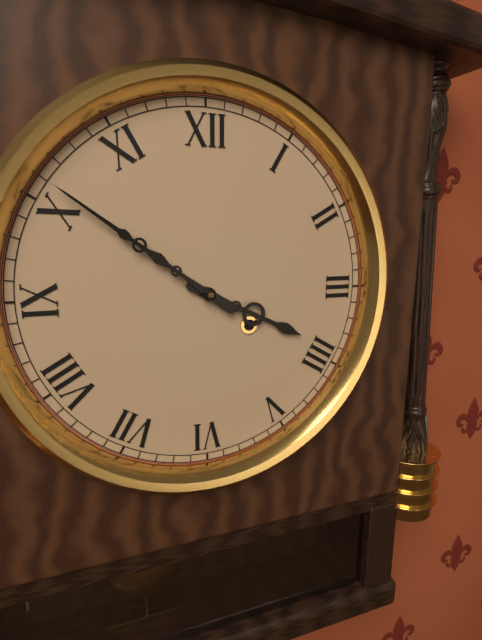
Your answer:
h=3 m=51
